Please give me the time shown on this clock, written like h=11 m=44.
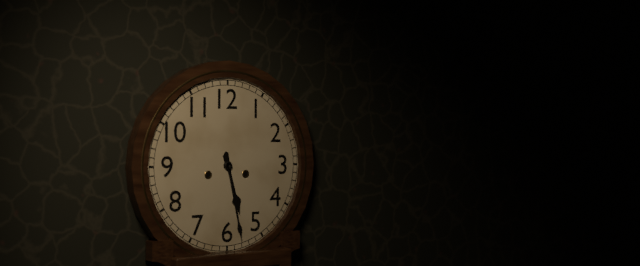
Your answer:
h=5 m=28
